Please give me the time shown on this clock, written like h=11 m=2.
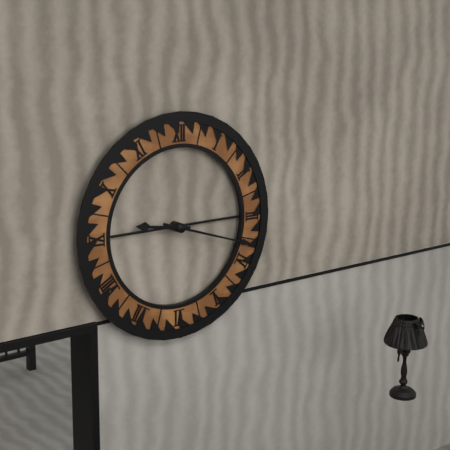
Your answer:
h=9 m=18
